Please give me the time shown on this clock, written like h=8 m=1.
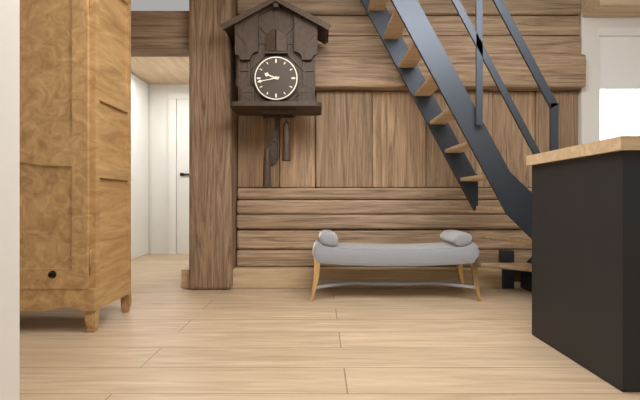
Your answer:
h=9 m=43
